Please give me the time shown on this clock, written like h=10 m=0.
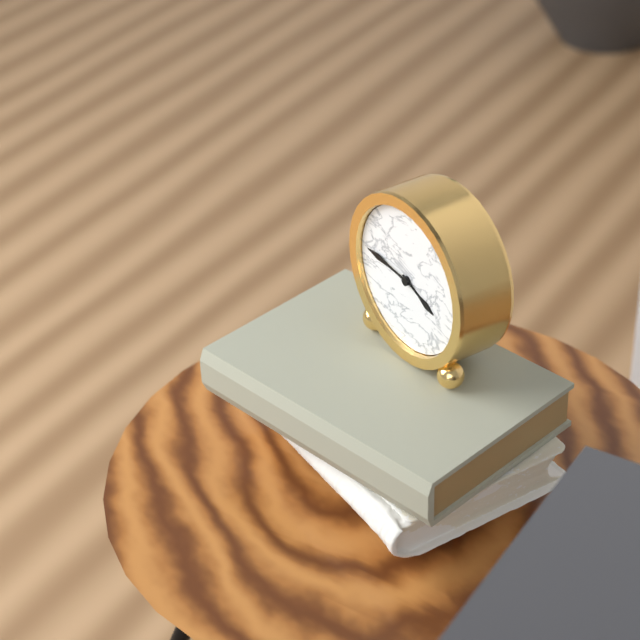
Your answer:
h=3 m=46
